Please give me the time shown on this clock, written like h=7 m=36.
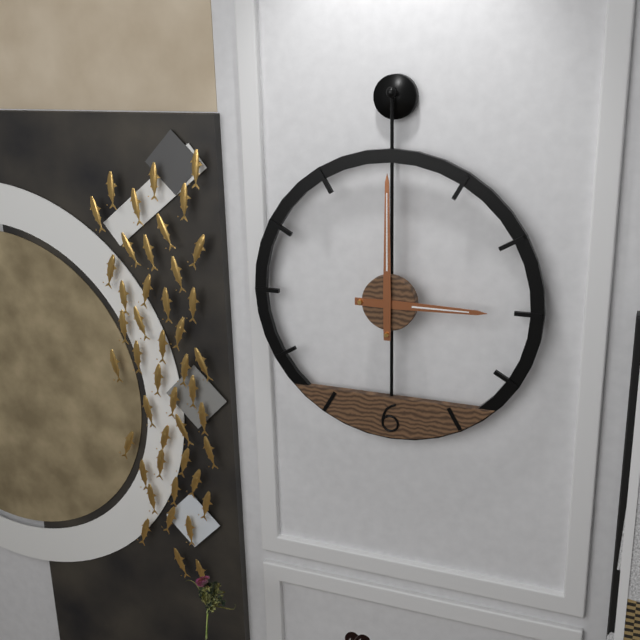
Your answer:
h=3 m=0
